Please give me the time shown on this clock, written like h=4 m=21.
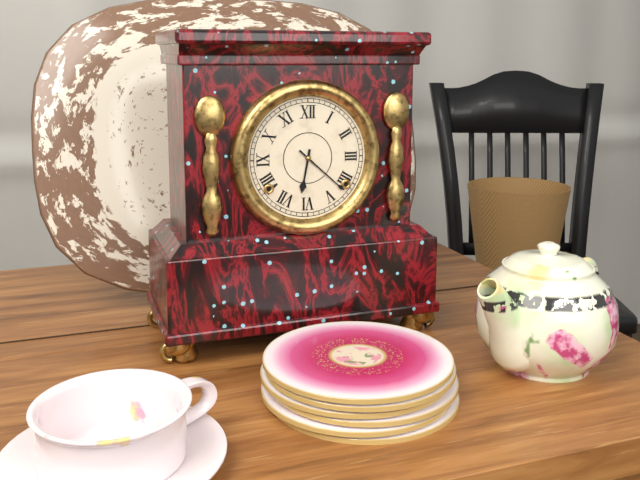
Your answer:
h=6 m=22
